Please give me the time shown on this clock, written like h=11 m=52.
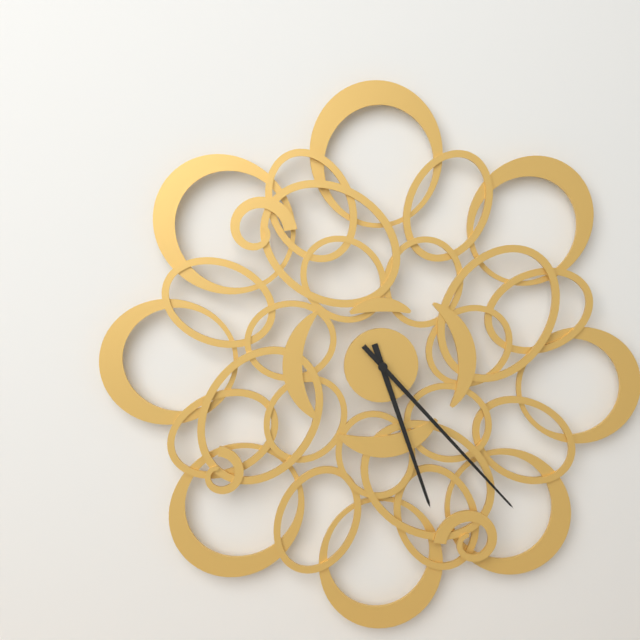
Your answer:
h=5 m=23
